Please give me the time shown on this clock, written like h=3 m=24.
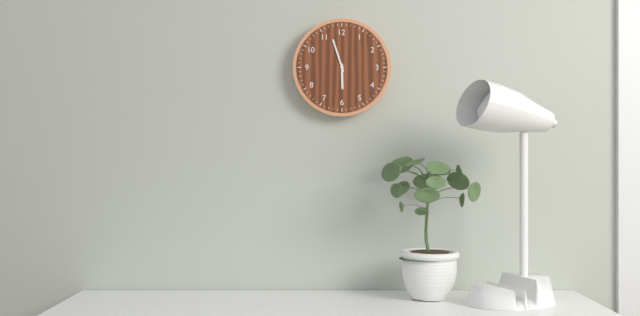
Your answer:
h=5 m=57
